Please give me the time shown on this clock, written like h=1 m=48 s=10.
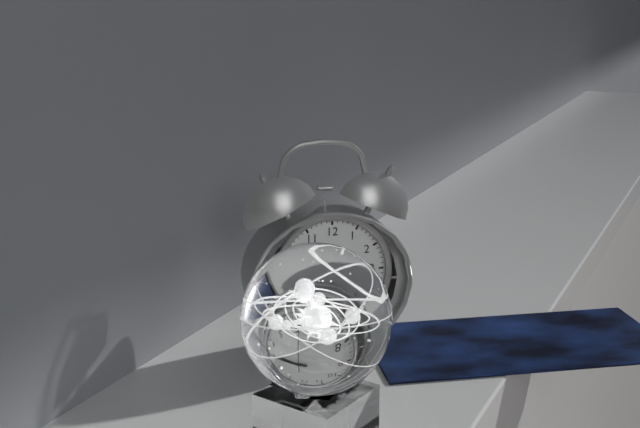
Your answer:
h=3 m=15 s=31
